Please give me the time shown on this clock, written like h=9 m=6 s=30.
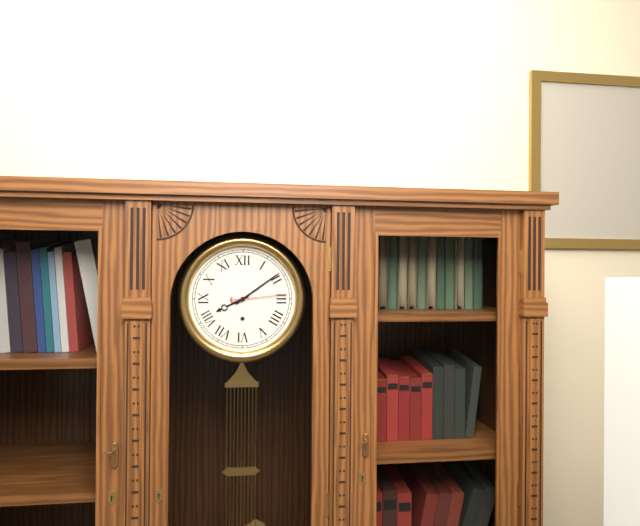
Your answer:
h=8 m=9 s=14
